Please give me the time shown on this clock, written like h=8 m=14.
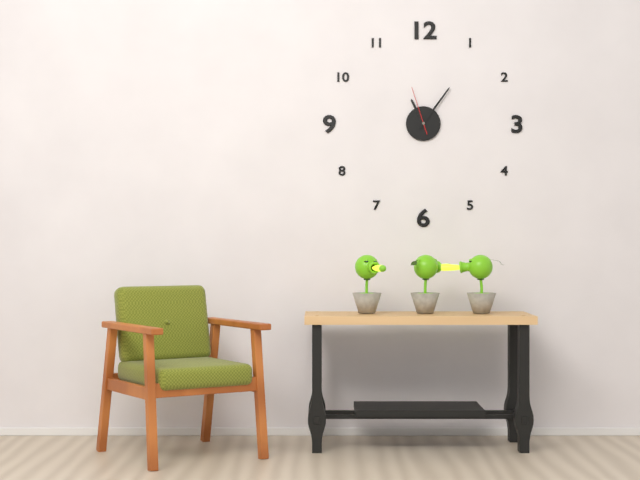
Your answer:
h=11 m=6
